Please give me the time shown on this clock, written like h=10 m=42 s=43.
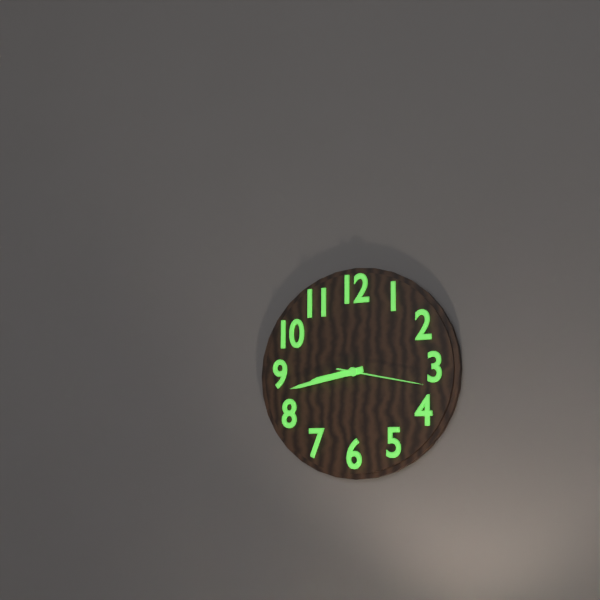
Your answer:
h=8 m=43 s=17
